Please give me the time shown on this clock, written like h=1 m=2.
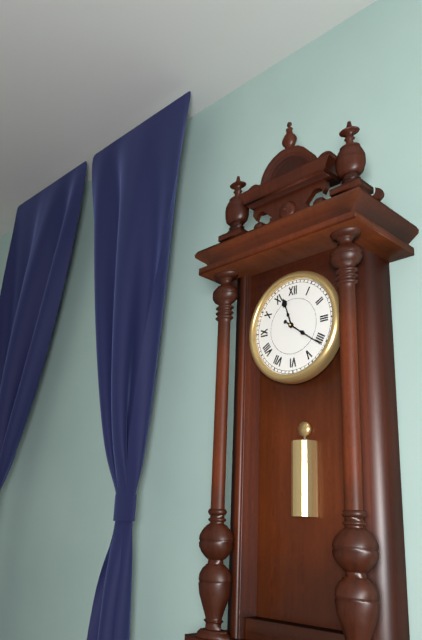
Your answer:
h=11 m=21
